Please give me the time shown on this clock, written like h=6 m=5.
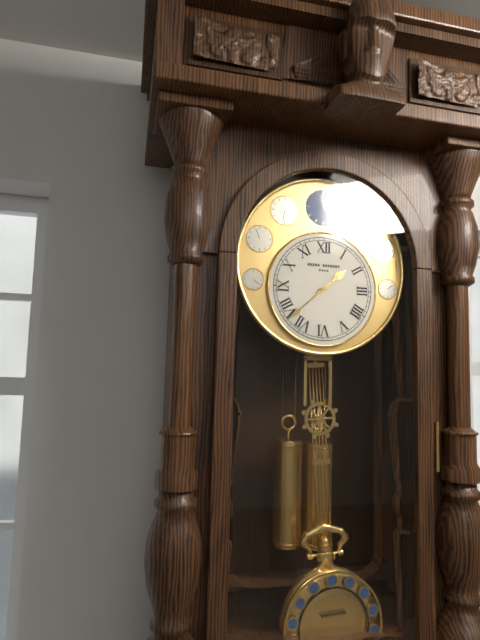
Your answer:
h=1 m=38
